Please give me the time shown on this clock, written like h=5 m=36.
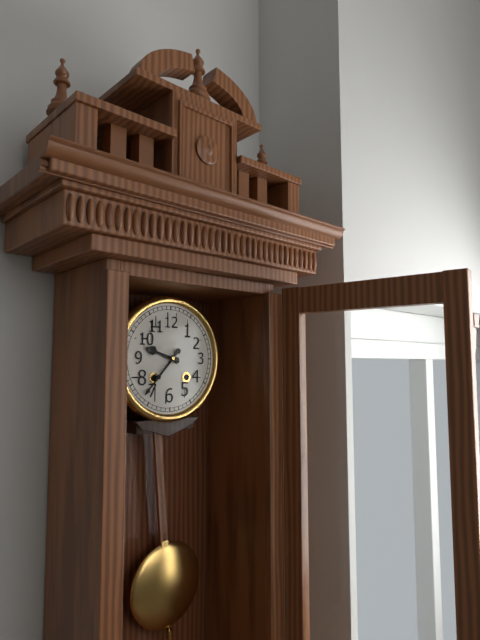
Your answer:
h=9 m=37
